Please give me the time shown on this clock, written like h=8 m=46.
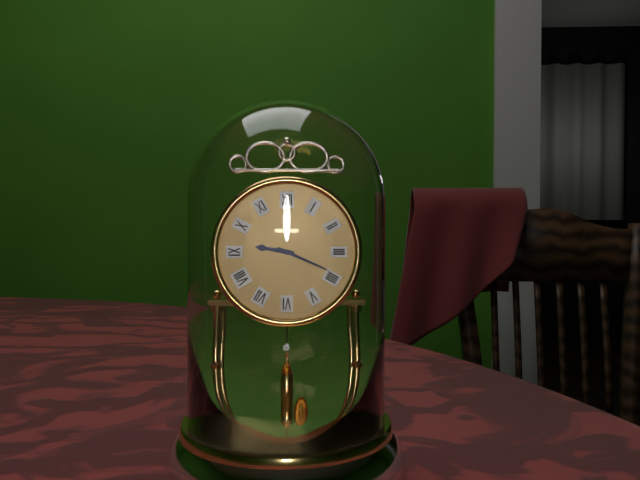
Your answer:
h=9 m=19
